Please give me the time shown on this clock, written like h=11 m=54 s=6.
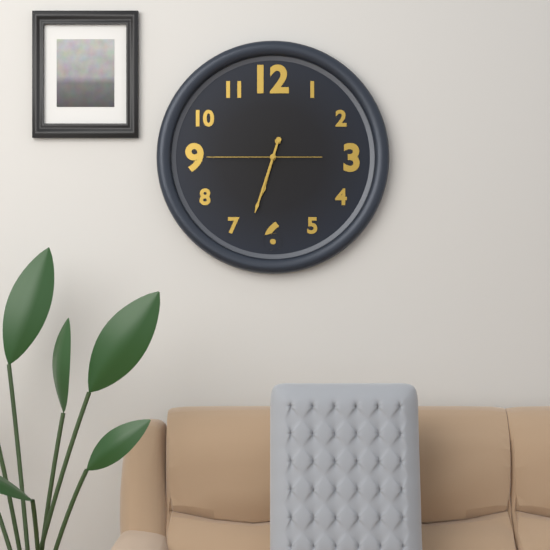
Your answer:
h=6 m=33 s=45
